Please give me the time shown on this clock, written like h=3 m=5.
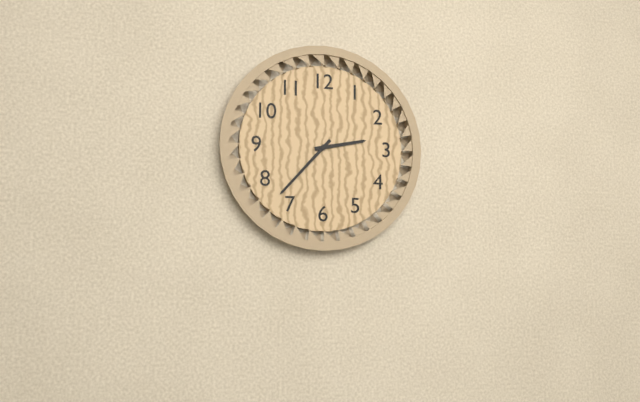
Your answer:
h=2 m=37
